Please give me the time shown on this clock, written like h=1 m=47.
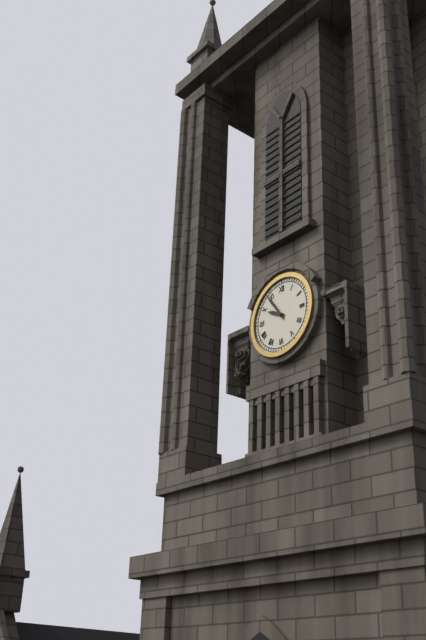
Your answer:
h=9 m=54
